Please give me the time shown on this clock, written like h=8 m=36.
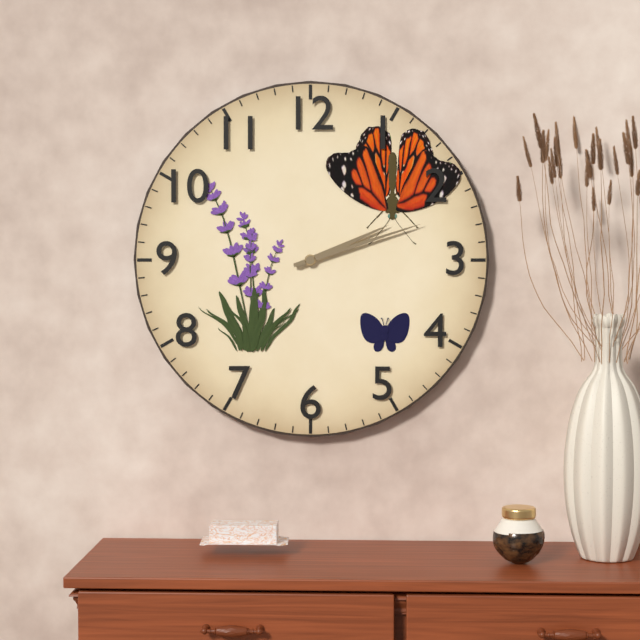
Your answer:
h=2 m=12
